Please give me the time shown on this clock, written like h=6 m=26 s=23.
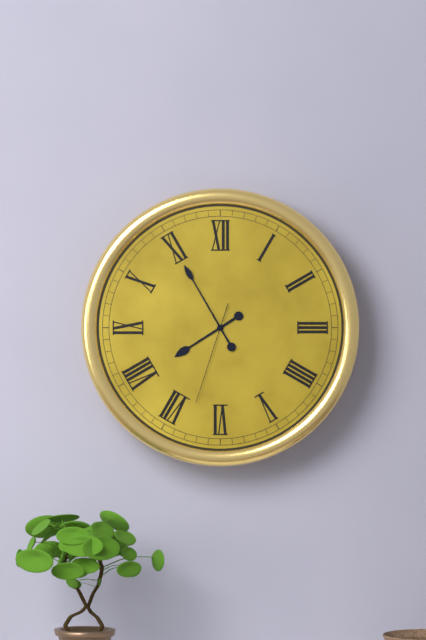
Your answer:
h=7 m=55 s=33
